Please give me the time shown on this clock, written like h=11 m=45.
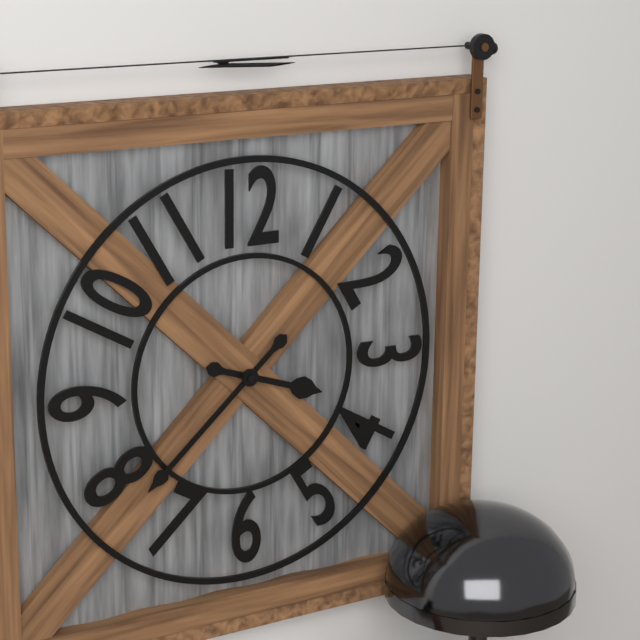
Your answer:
h=3 m=38
